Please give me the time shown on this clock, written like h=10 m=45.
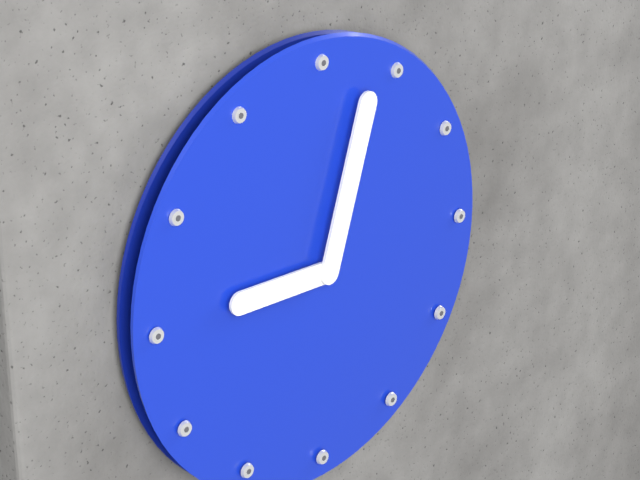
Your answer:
h=9 m=3
